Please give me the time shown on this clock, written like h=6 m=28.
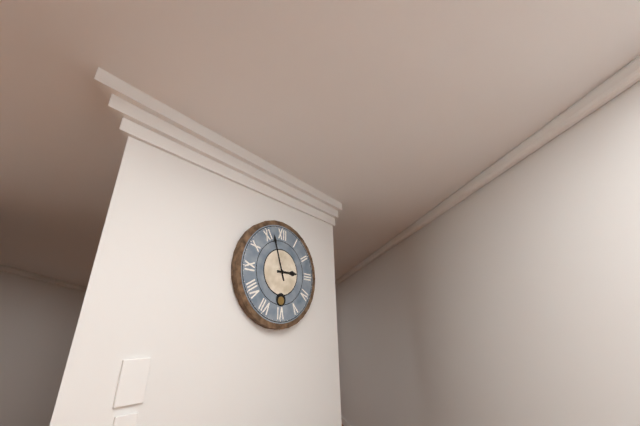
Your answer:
h=2 m=57
